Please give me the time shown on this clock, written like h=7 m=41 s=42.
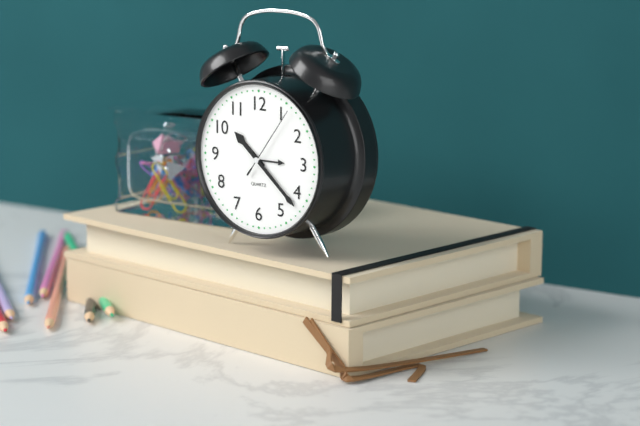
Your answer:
h=10 m=22 s=6
